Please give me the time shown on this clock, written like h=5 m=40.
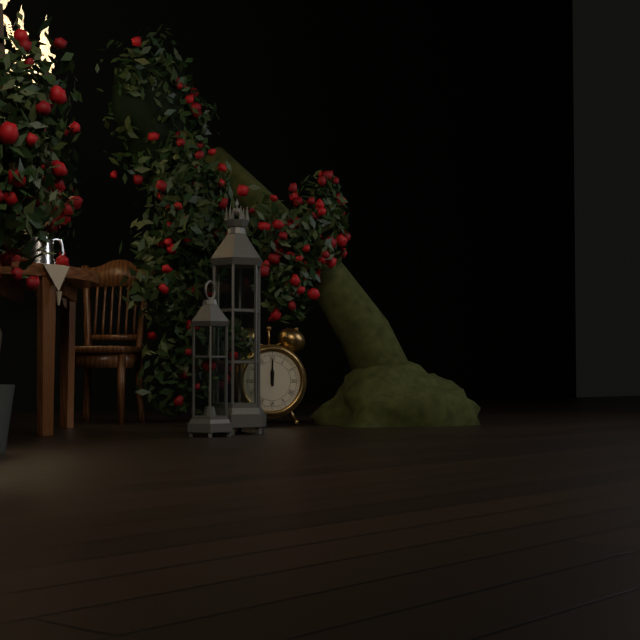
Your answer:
h=12 m=0
